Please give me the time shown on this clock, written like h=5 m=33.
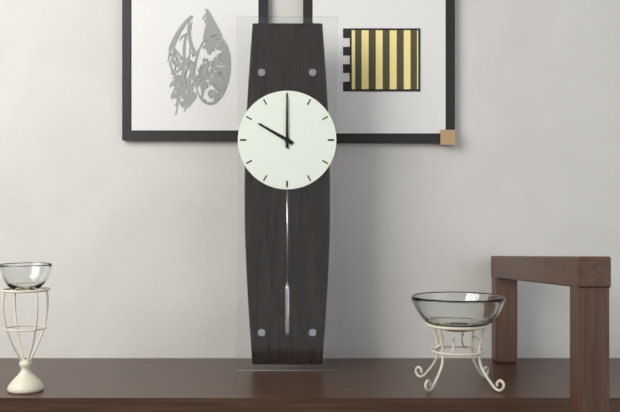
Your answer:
h=10 m=0
